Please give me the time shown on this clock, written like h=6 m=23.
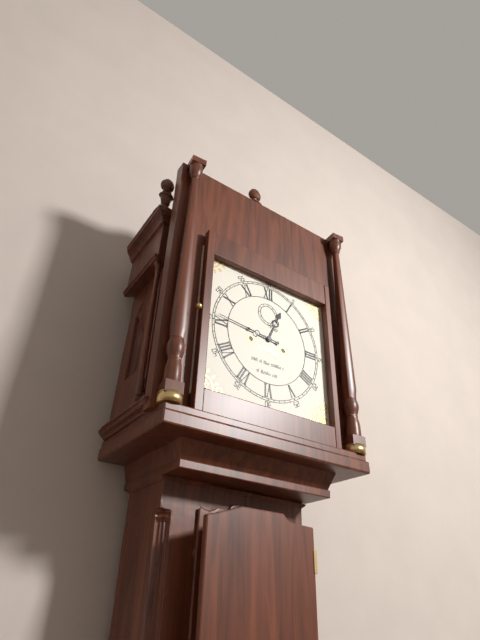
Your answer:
h=12 m=46
